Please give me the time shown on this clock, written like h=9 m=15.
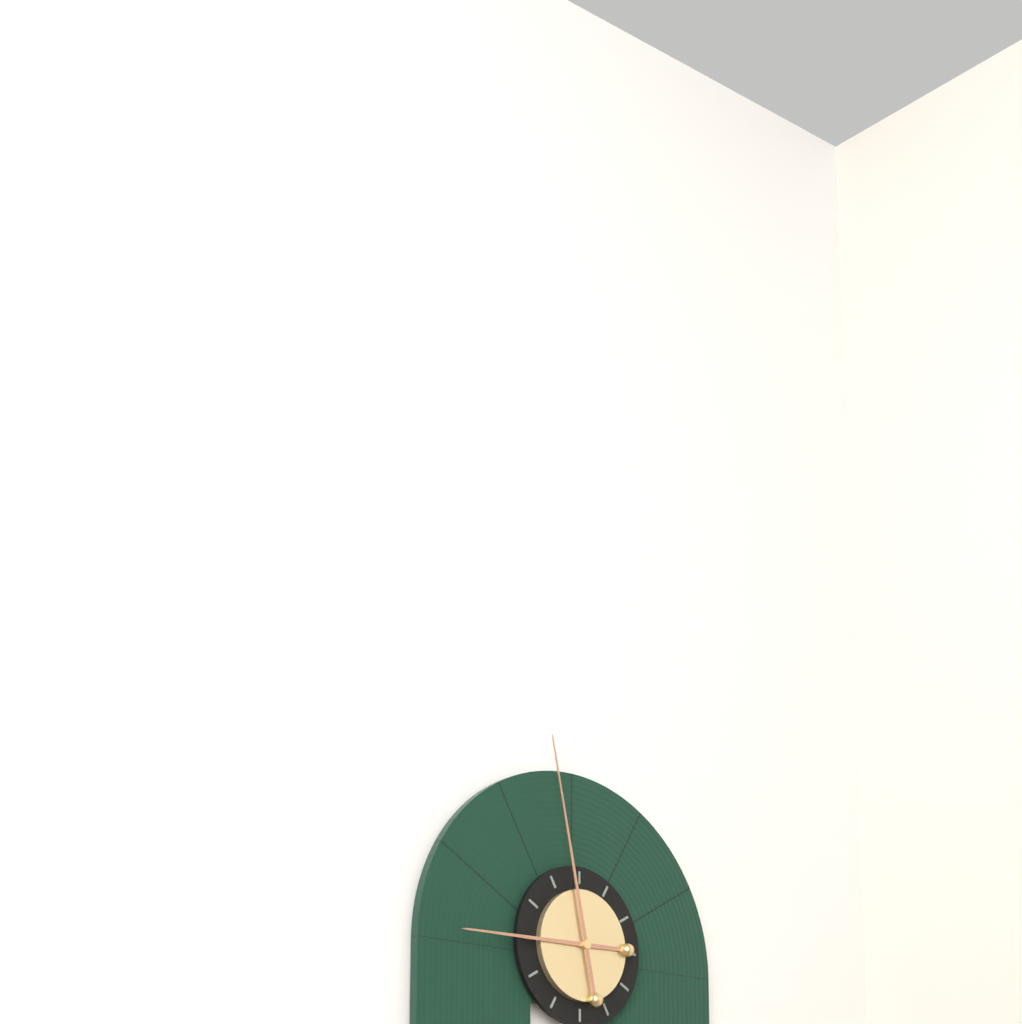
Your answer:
h=8 m=58
